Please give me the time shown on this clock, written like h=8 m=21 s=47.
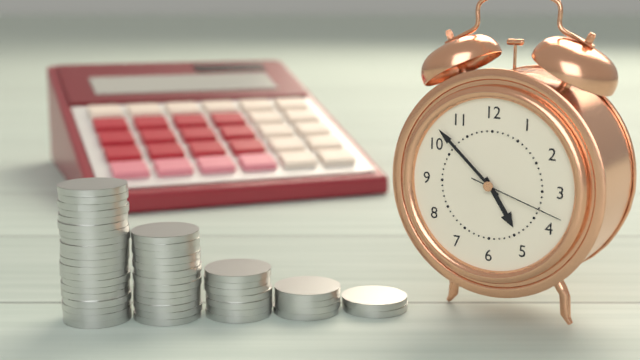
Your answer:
h=4 m=52 s=18
